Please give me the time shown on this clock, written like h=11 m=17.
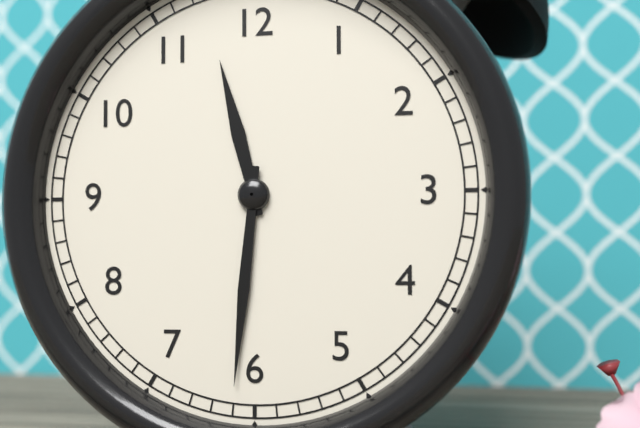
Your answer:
h=11 m=31
